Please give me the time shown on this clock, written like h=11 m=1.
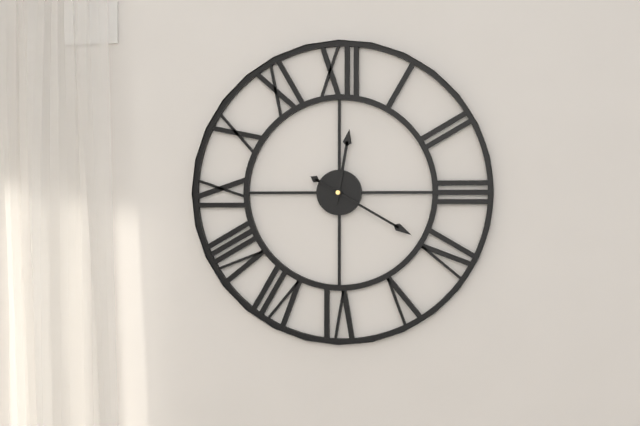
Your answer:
h=12 m=20
